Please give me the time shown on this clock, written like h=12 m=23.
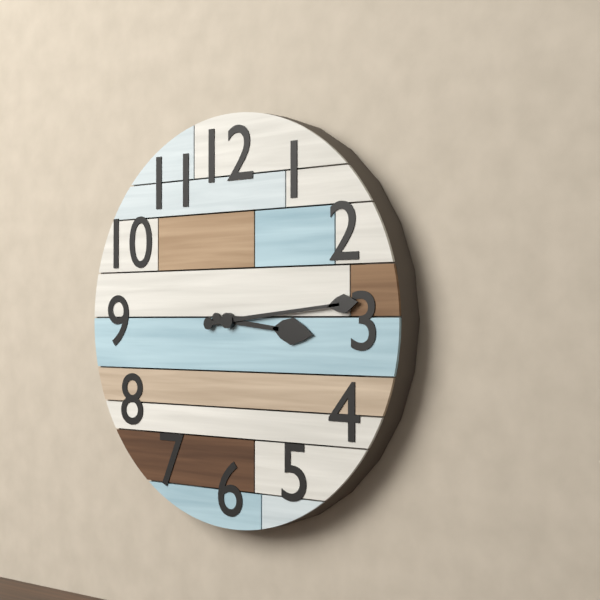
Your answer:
h=3 m=14
